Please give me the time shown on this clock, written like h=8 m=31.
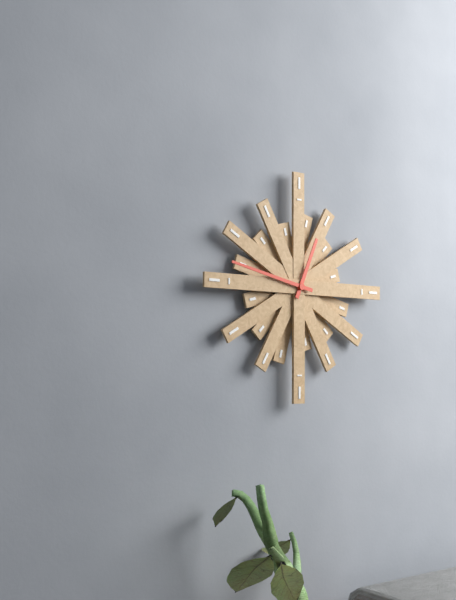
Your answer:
h=12 m=47
